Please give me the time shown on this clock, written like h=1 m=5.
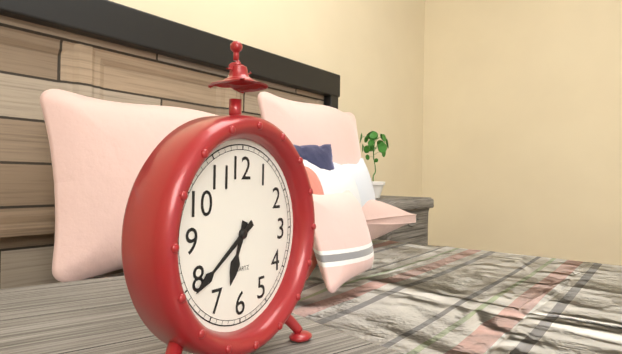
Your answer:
h=6 m=39
